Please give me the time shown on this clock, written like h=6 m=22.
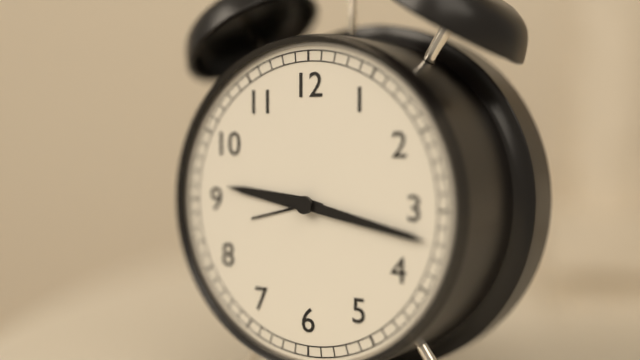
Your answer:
h=9 m=17
